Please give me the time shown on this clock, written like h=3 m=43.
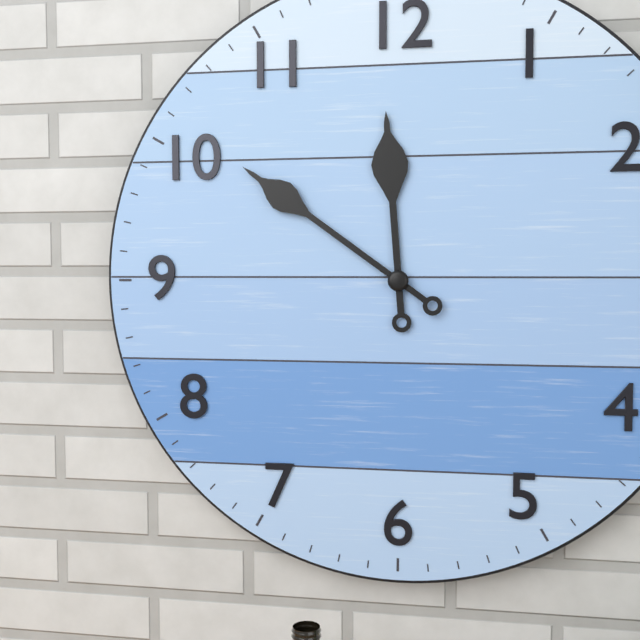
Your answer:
h=11 m=51
